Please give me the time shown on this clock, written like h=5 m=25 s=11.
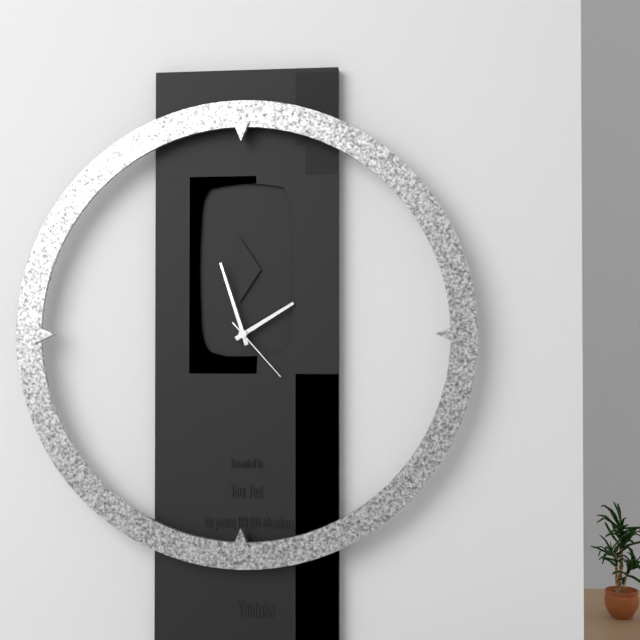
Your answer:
h=1 m=57 s=23
